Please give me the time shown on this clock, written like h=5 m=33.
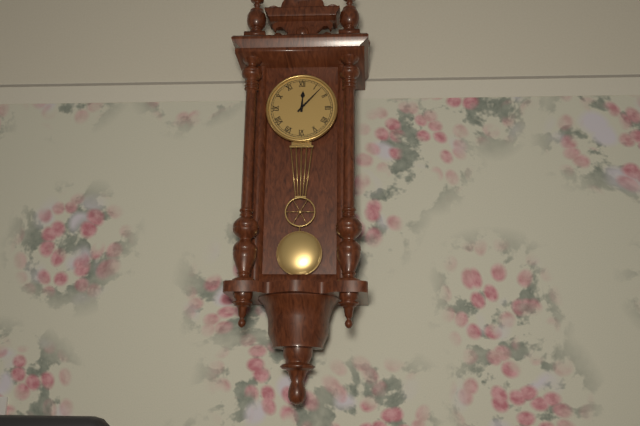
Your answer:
h=12 m=7
